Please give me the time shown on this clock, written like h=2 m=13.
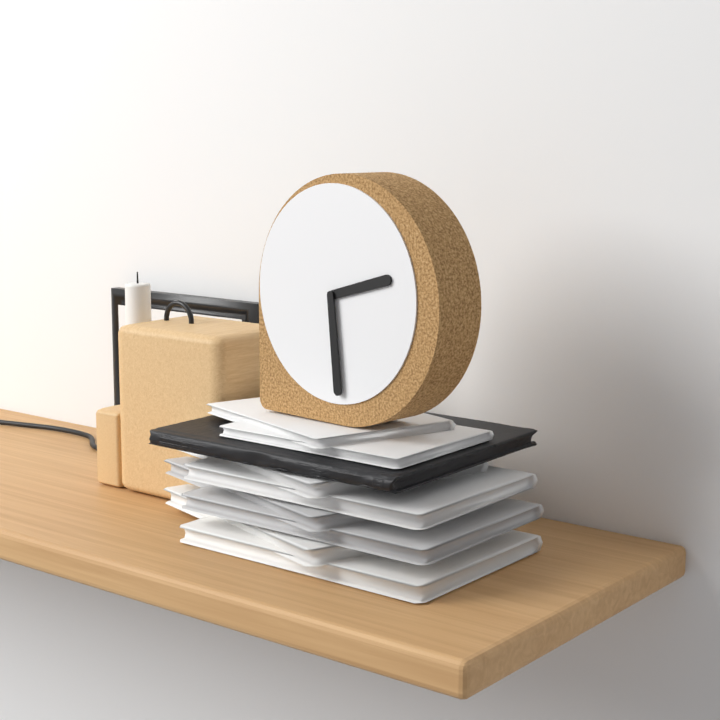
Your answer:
h=2 m=29
